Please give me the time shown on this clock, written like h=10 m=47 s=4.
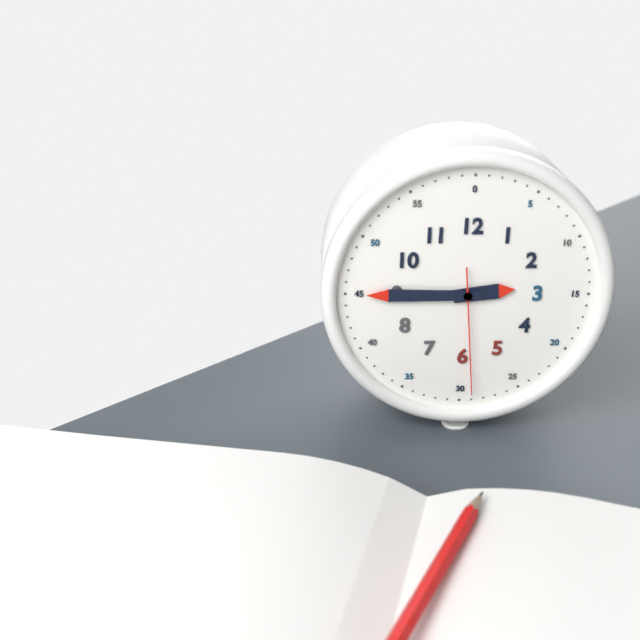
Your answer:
h=2 m=45 s=29
